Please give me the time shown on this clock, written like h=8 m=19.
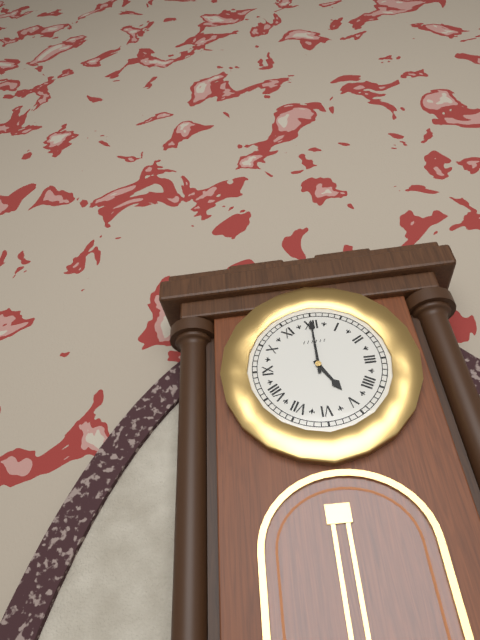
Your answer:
h=5 m=0
